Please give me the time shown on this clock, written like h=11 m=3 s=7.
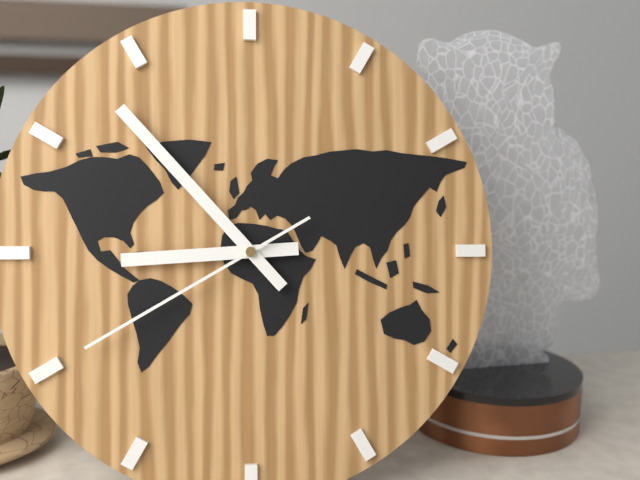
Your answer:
h=8 m=53 s=40
